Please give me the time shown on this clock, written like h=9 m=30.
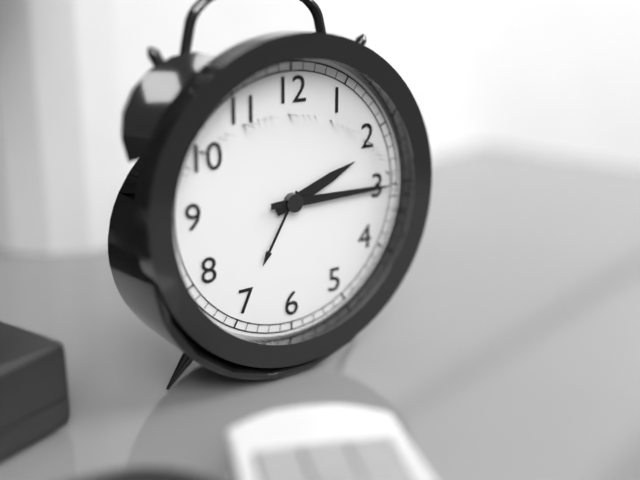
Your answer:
h=2 m=15
